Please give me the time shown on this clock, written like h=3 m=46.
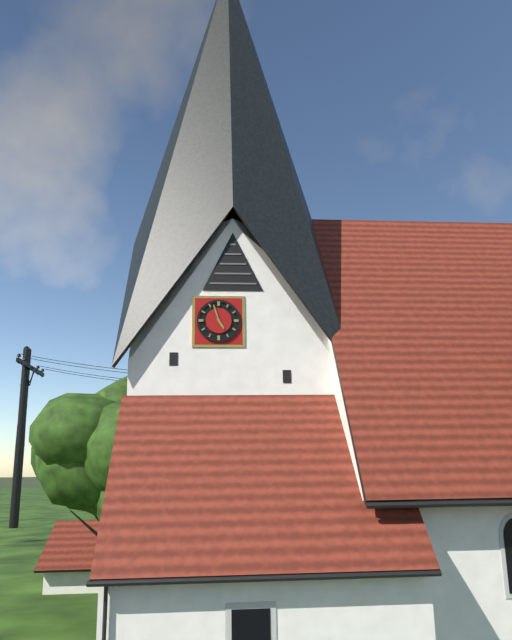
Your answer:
h=4 m=57
